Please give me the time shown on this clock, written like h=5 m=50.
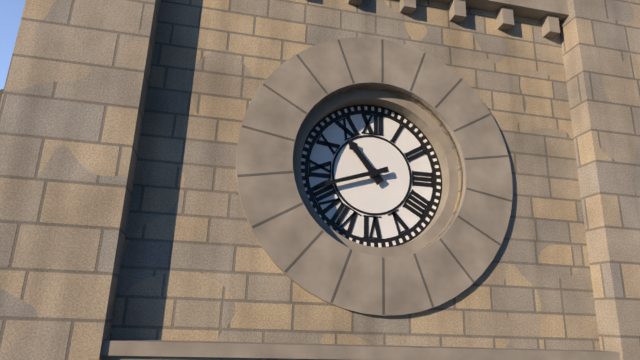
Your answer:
h=10 m=42
